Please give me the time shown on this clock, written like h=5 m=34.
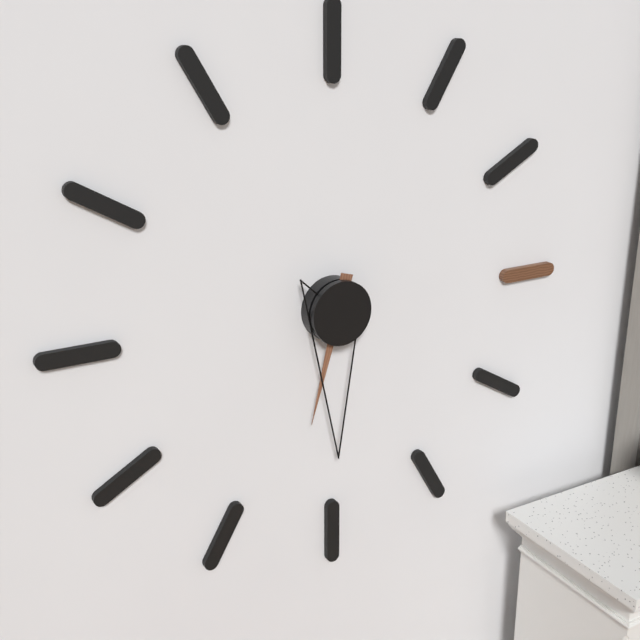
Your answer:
h=6 m=30
